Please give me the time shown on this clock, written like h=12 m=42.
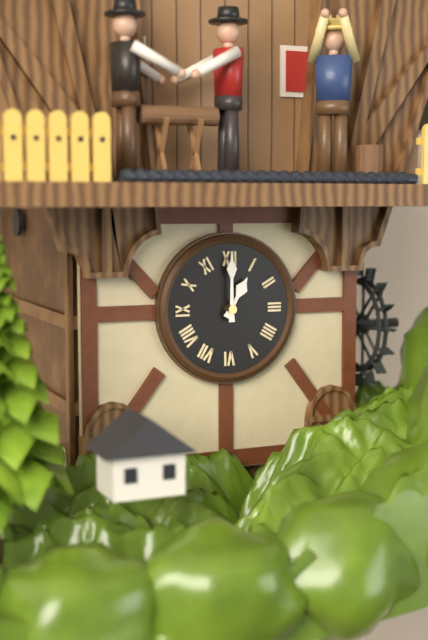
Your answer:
h=1 m=0
